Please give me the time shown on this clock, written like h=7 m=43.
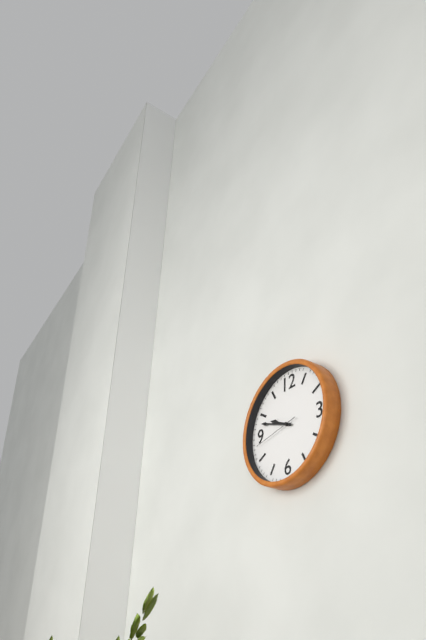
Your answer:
h=9 m=48
